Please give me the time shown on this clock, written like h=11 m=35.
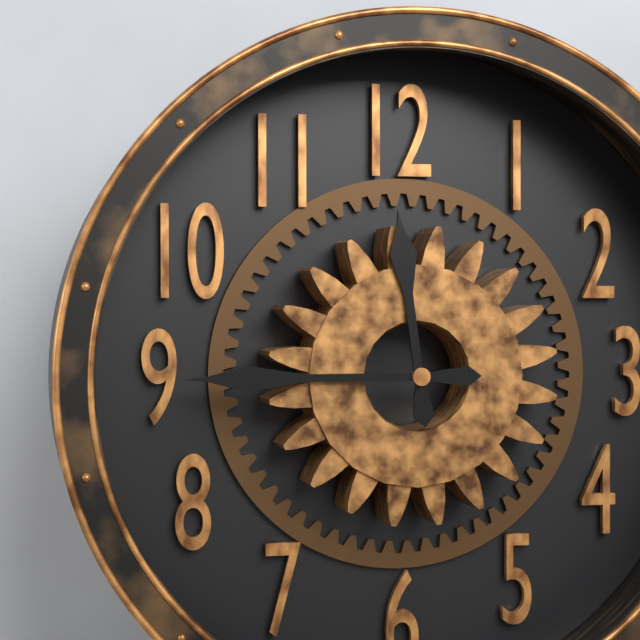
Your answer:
h=11 m=45
